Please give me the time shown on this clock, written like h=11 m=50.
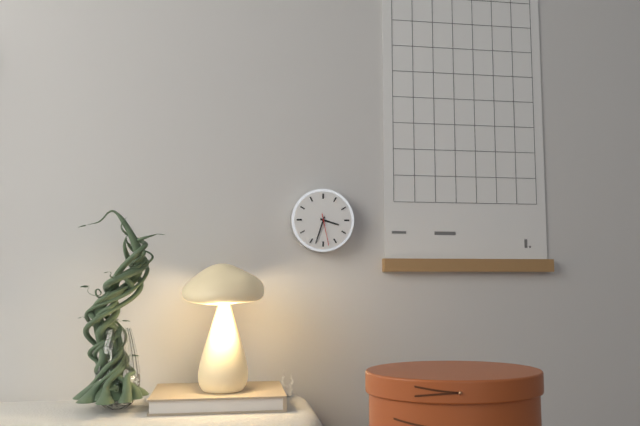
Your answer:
h=3 m=33
